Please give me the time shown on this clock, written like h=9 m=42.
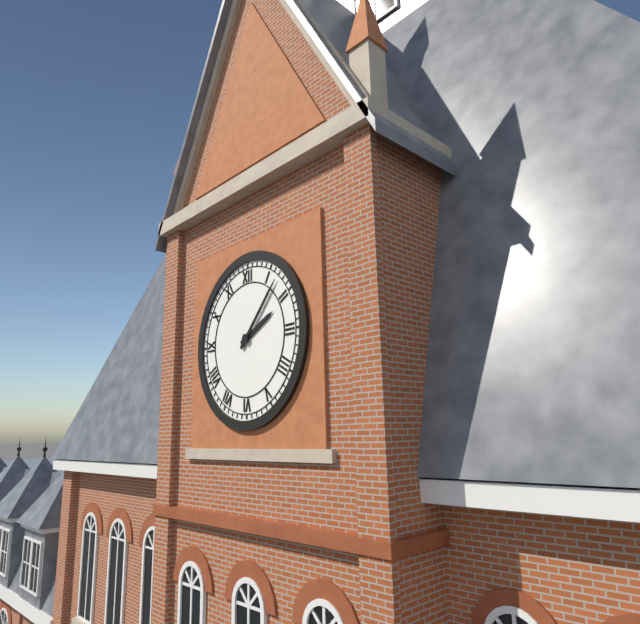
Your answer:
h=2 m=7
